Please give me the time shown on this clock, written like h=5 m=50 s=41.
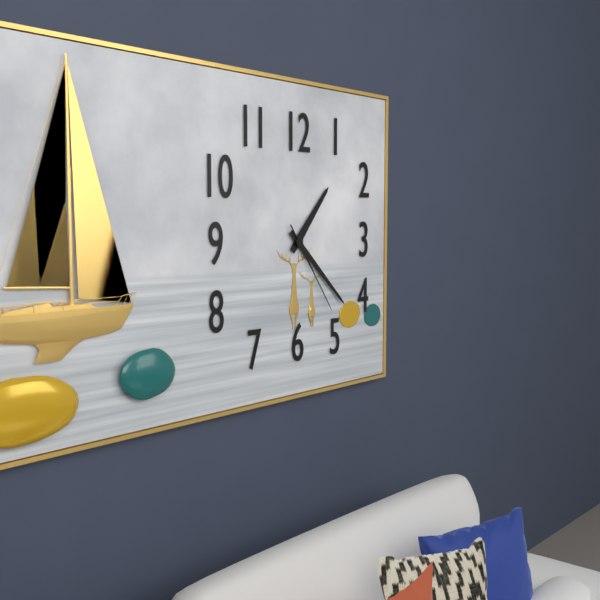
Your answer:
h=1 m=22 s=24
